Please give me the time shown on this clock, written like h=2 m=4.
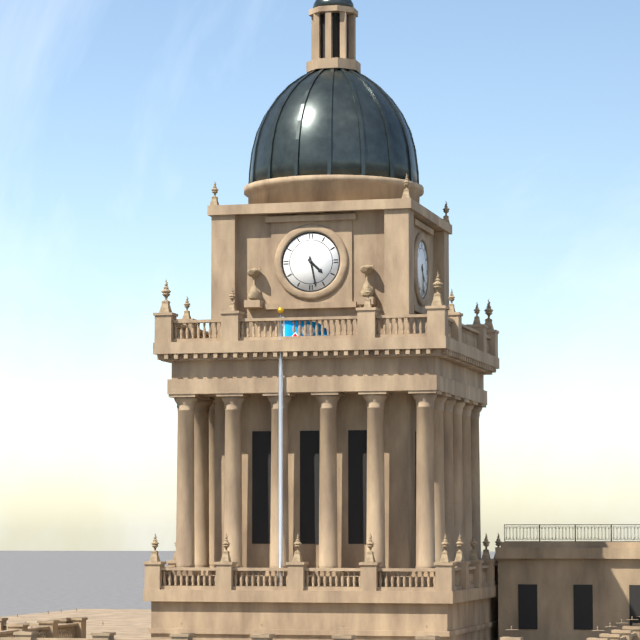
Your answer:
h=4 m=28
